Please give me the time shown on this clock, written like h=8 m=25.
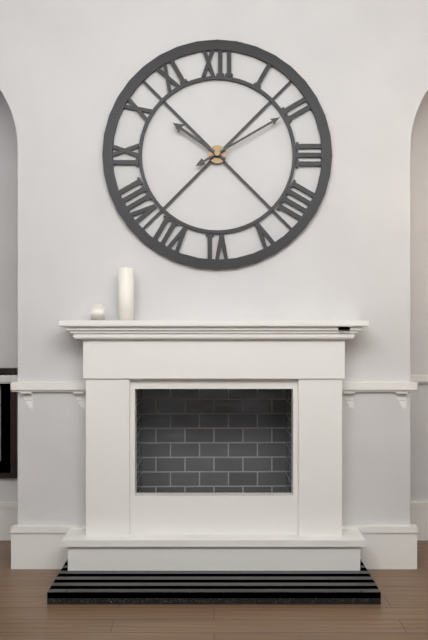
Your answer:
h=10 m=10
